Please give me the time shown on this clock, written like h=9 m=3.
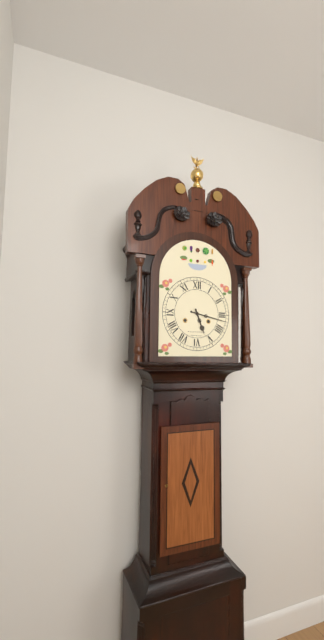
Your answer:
h=5 m=17
